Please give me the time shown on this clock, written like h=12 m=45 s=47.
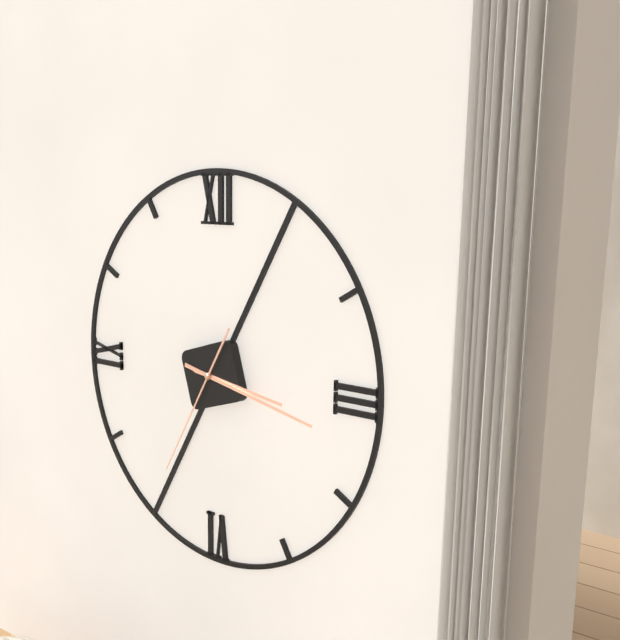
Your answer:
h=3 m=17 s=35
